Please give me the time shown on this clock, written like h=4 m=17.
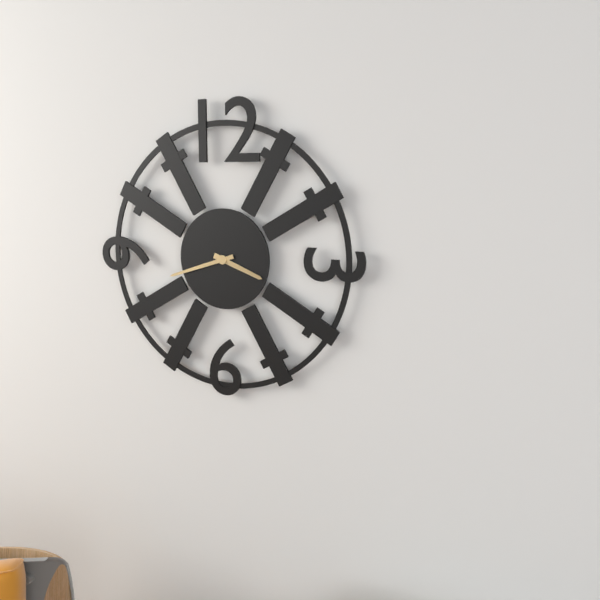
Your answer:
h=3 m=42
